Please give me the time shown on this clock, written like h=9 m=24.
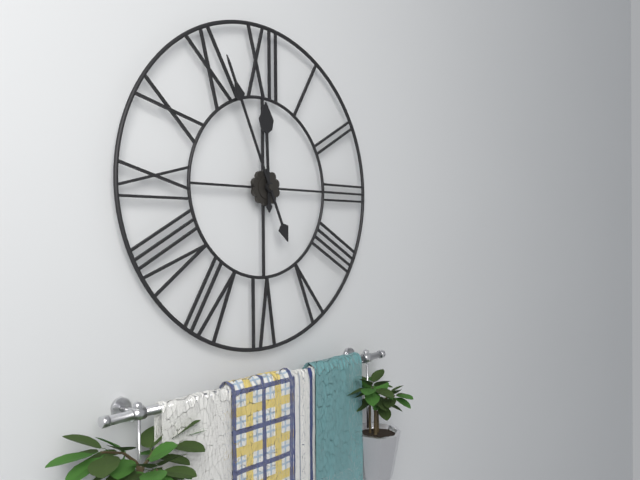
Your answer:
h=11 m=56
